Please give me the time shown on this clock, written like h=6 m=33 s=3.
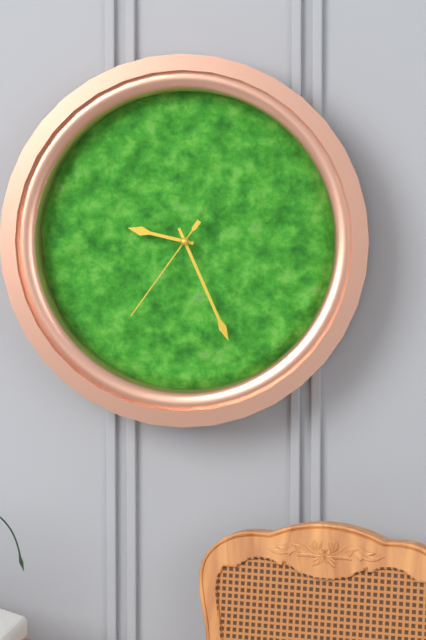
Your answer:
h=9 m=26 s=36
